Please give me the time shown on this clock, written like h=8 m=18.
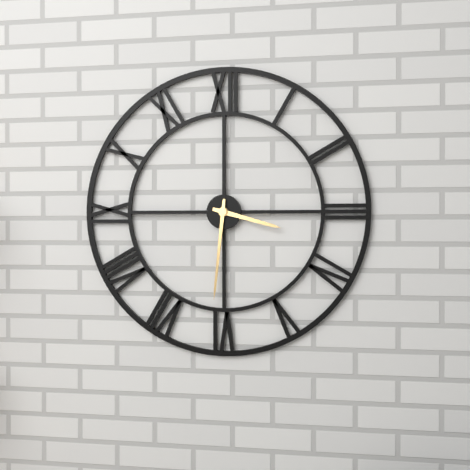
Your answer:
h=3 m=31
